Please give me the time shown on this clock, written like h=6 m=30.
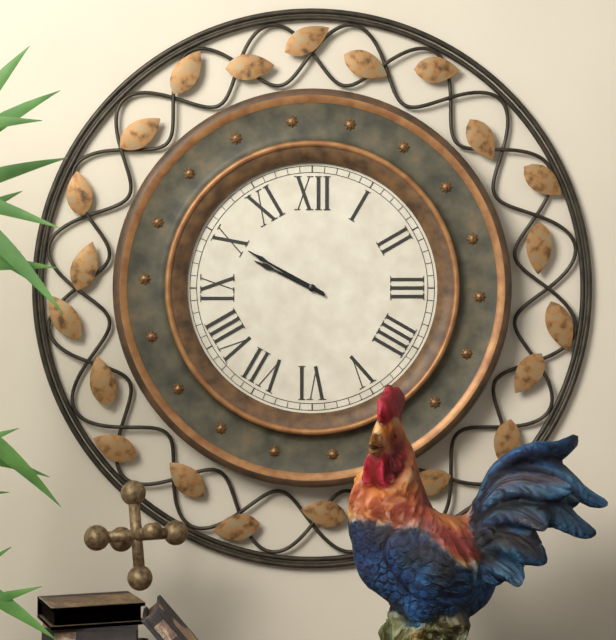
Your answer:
h=9 m=50
